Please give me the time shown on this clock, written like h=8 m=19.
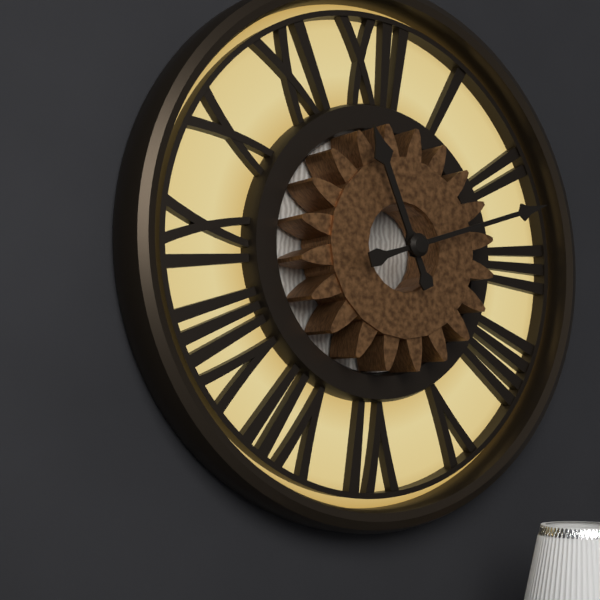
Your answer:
h=11 m=12
